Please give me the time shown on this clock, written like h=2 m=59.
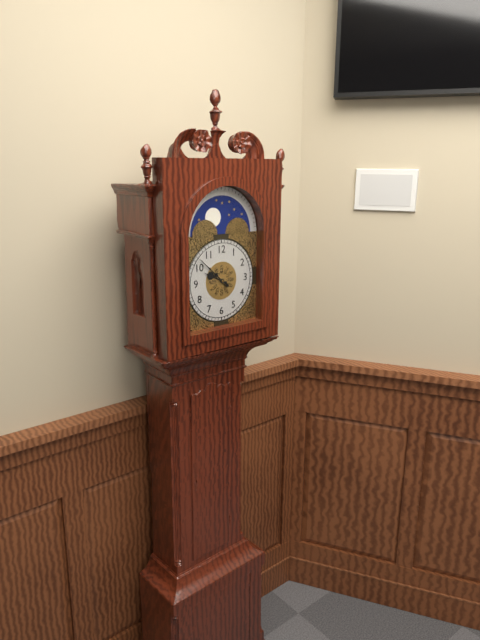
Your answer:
h=9 m=52
